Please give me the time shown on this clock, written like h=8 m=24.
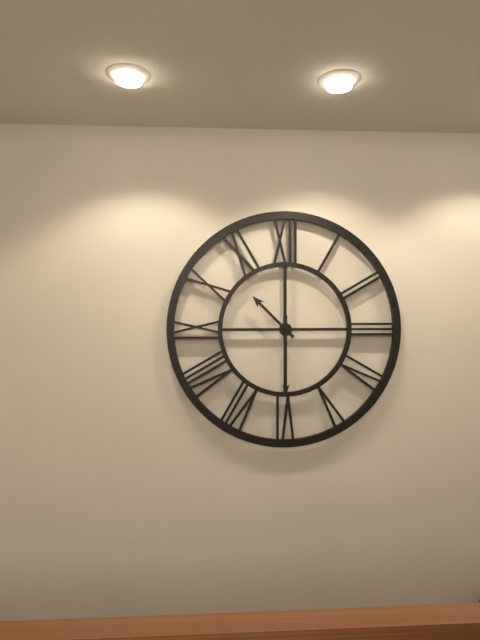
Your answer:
h=10 m=30
